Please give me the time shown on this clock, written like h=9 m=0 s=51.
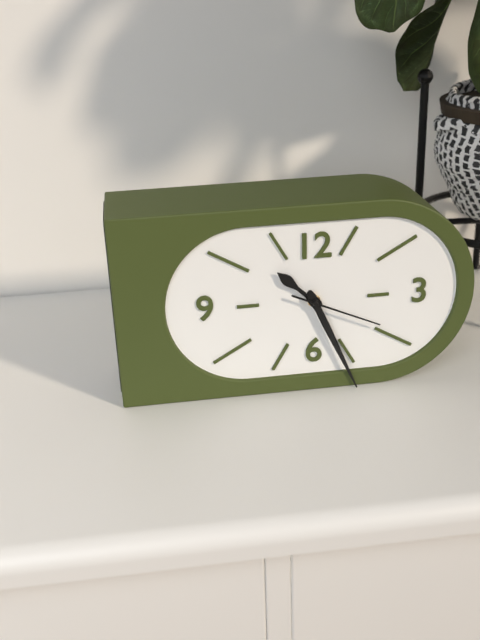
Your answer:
h=10 m=26 s=19
